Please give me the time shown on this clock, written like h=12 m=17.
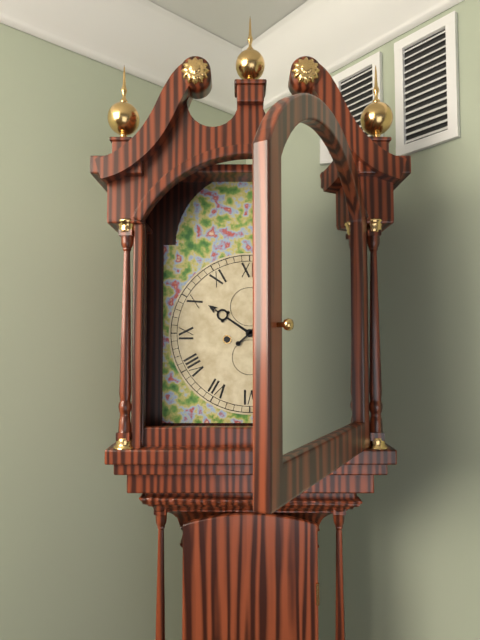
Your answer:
h=10 m=8
